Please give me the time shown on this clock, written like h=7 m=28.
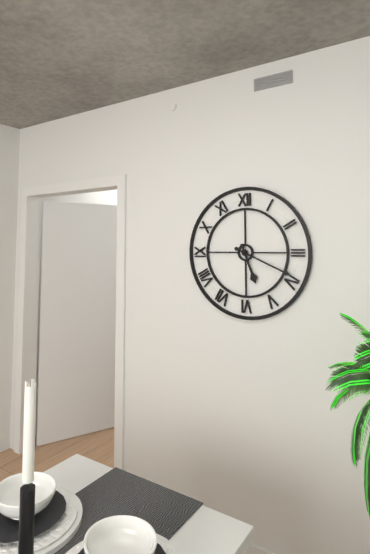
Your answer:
h=5 m=19
